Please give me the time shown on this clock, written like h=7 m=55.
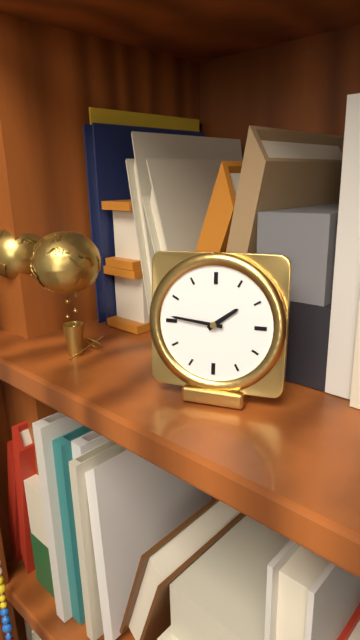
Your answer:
h=1 m=46
